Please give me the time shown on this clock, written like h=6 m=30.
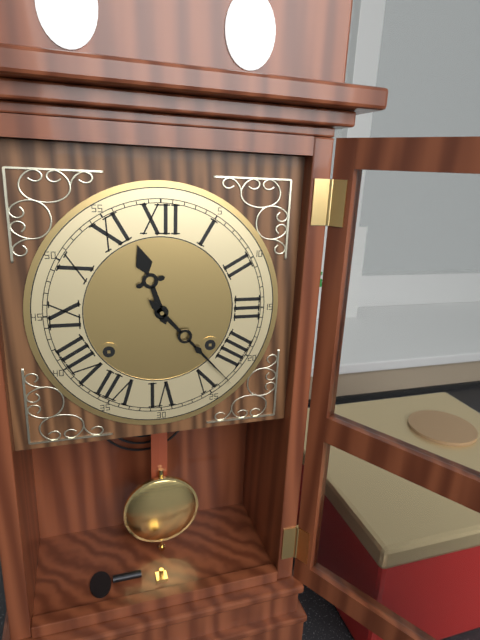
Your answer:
h=11 m=23
